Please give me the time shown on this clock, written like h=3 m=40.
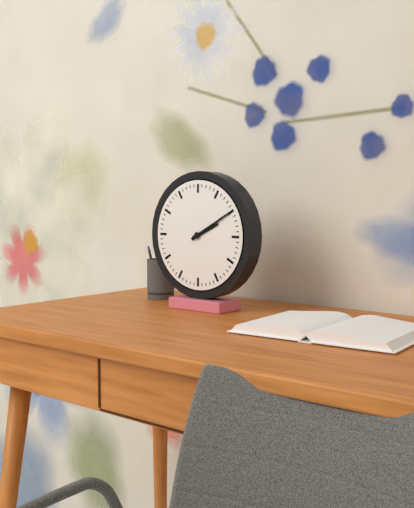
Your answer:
h=2 m=10
